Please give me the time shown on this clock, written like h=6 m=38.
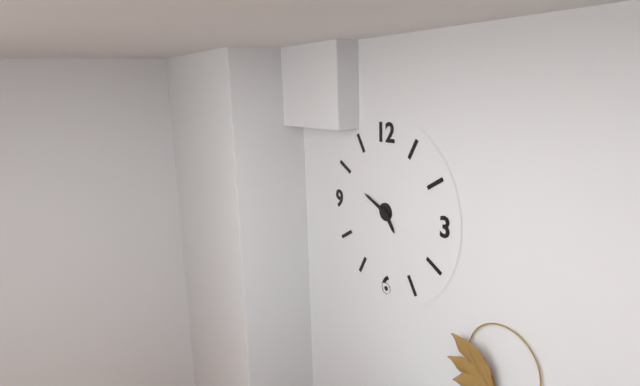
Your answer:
h=4 m=49
